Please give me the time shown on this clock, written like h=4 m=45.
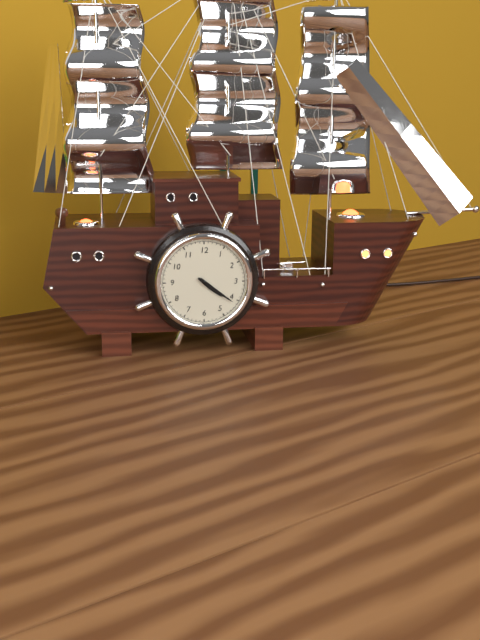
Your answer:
h=4 m=21
